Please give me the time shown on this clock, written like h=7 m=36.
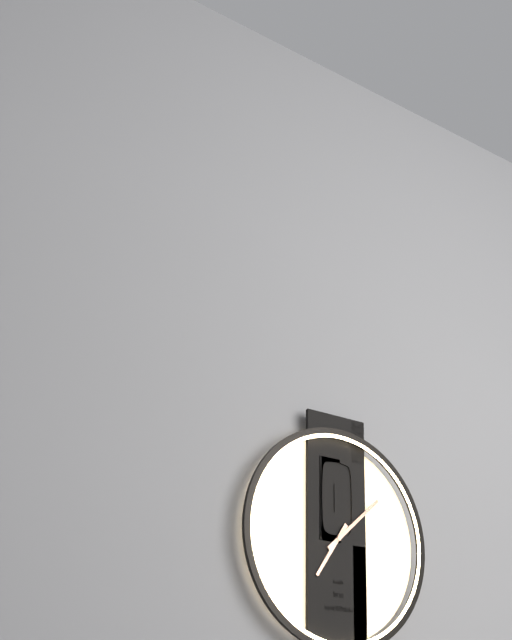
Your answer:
h=7 m=8
